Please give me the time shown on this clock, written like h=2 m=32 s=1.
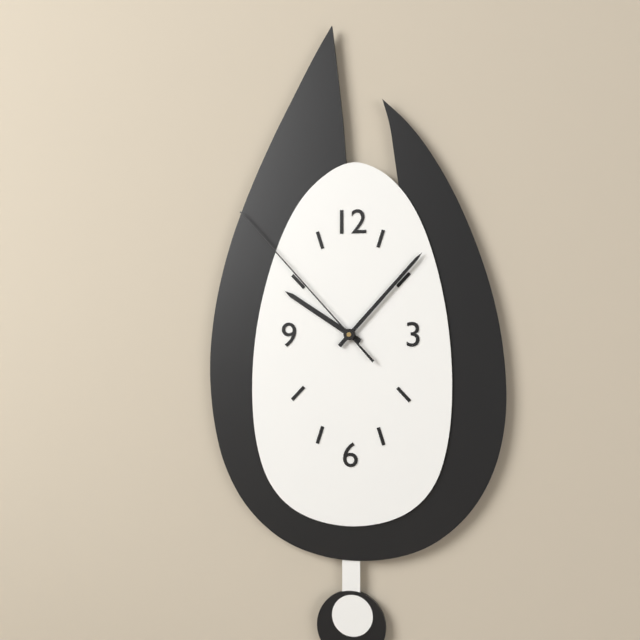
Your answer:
h=10 m=7 s=53
